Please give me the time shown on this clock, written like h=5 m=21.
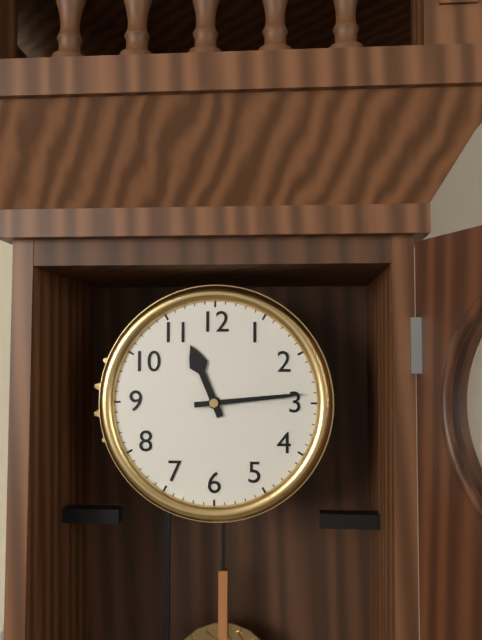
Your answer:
h=11 m=14
